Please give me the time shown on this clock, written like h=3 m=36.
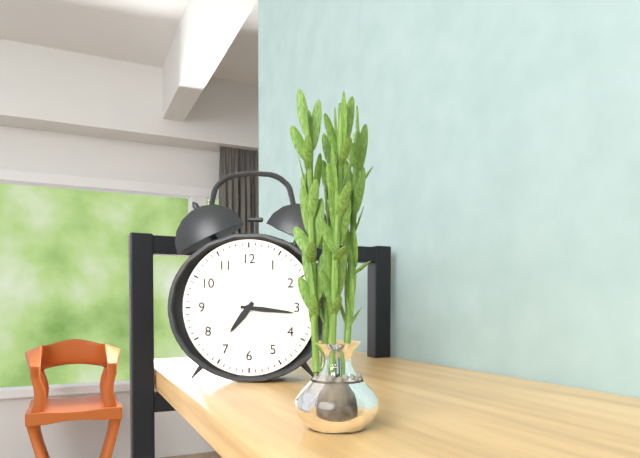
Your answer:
h=7 m=16
